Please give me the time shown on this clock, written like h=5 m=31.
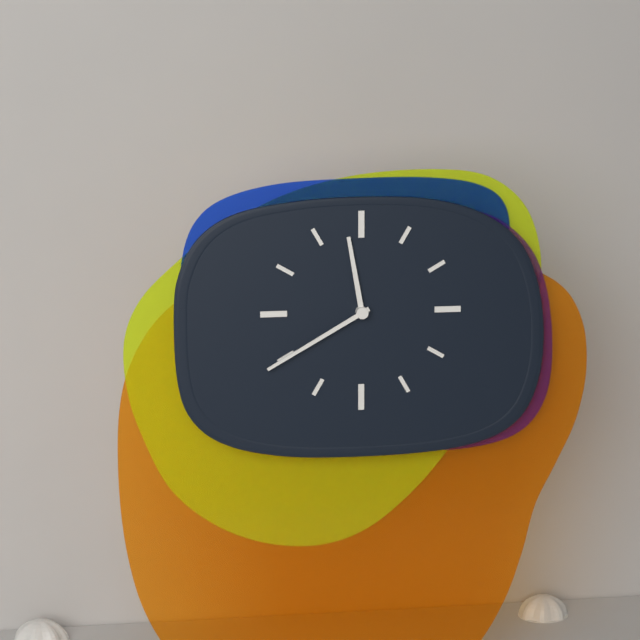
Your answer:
h=11 m=40
